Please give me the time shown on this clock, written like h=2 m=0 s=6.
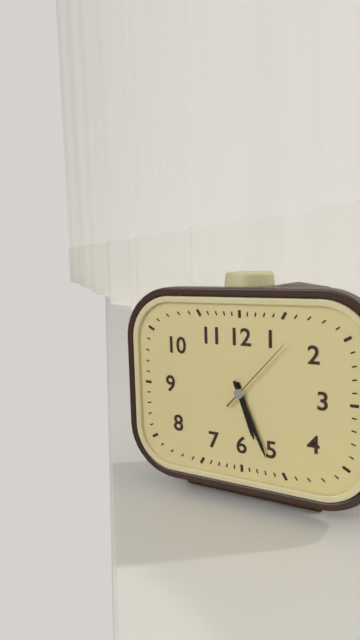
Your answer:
h=5 m=26 s=7
